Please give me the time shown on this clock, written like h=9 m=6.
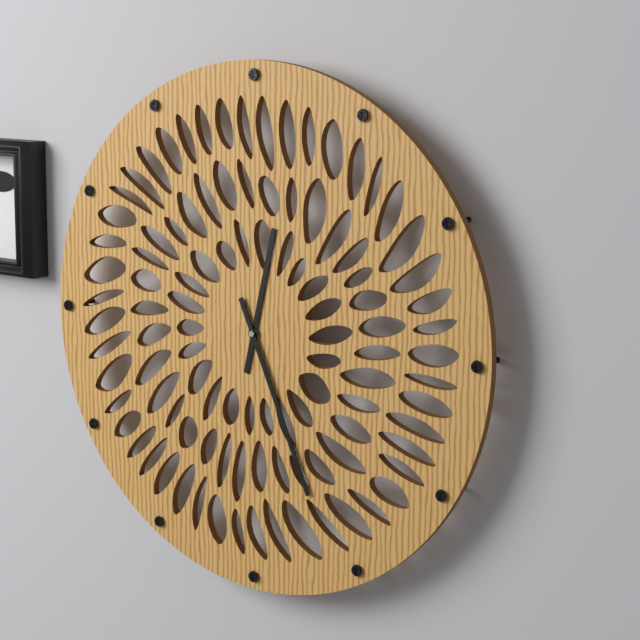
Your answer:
h=12 m=26
